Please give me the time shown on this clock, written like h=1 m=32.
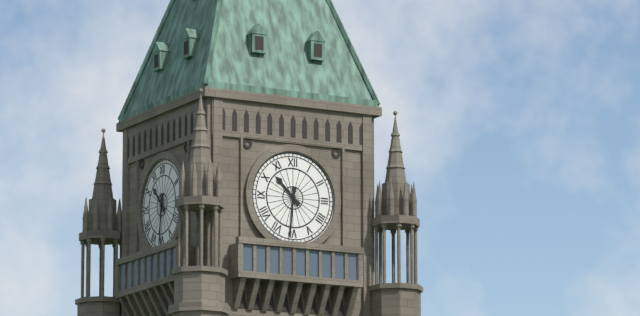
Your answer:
h=10 m=31
